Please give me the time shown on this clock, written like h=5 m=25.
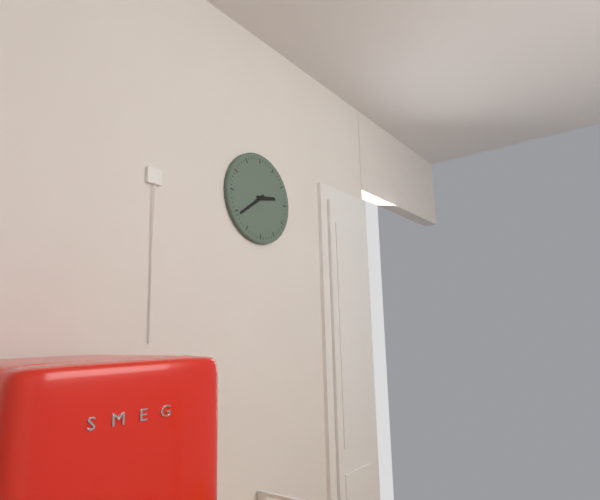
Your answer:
h=2 m=39
